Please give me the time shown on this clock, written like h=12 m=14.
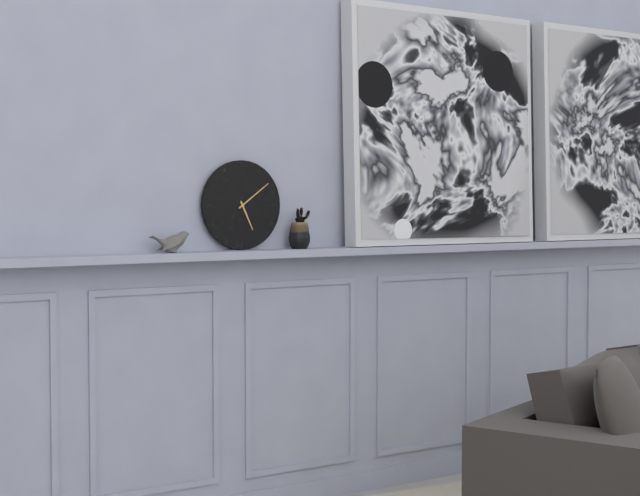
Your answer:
h=5 m=9
